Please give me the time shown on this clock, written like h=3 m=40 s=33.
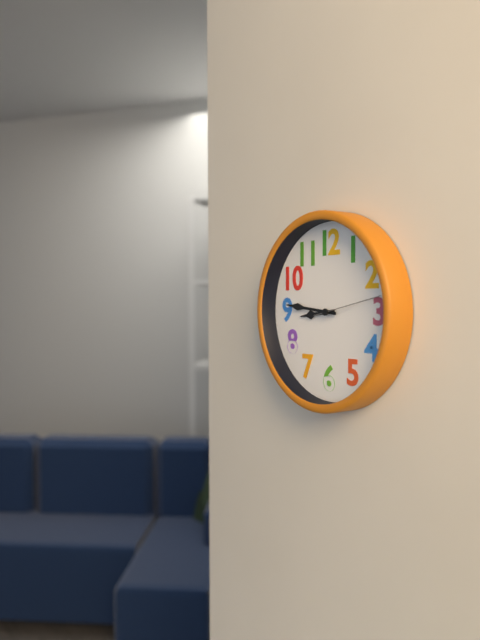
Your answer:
h=8 m=46 s=13
